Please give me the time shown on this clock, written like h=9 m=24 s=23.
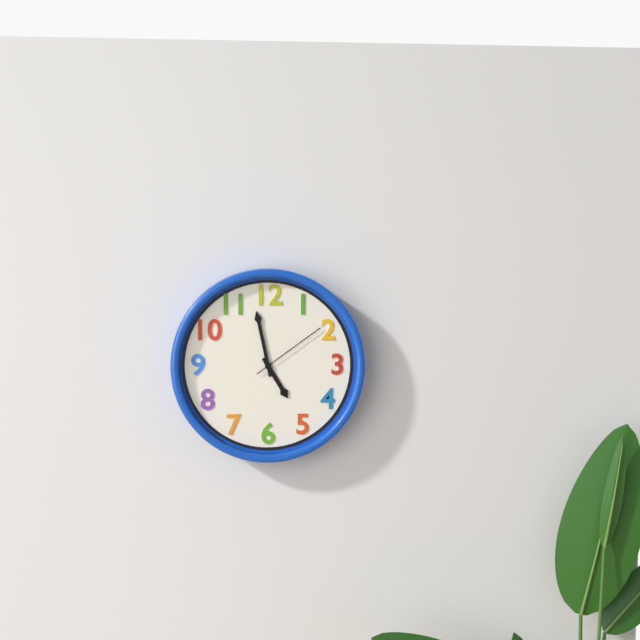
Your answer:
h=4 m=58 s=9
